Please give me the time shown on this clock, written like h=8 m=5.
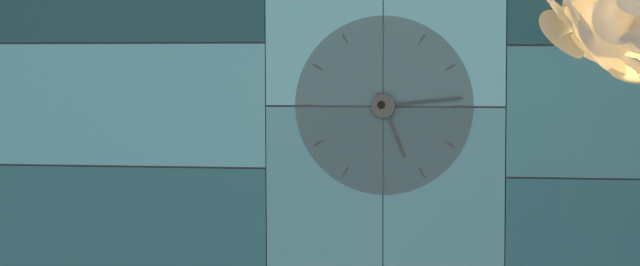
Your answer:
h=5 m=14
